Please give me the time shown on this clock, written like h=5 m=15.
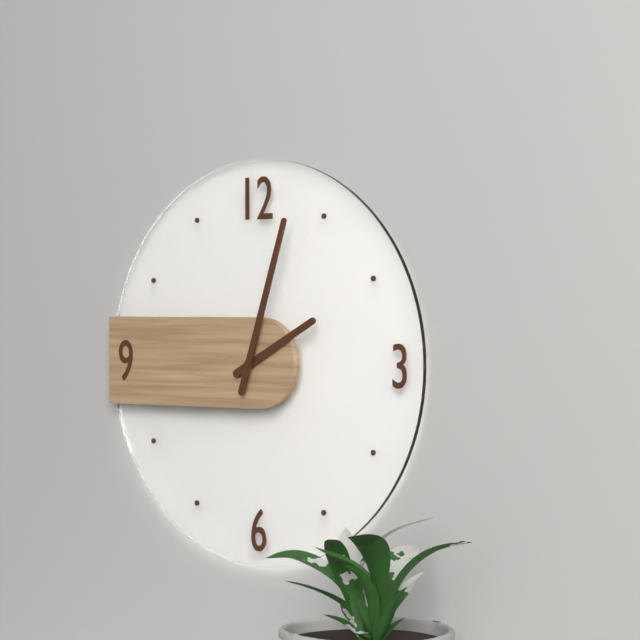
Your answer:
h=2 m=3
